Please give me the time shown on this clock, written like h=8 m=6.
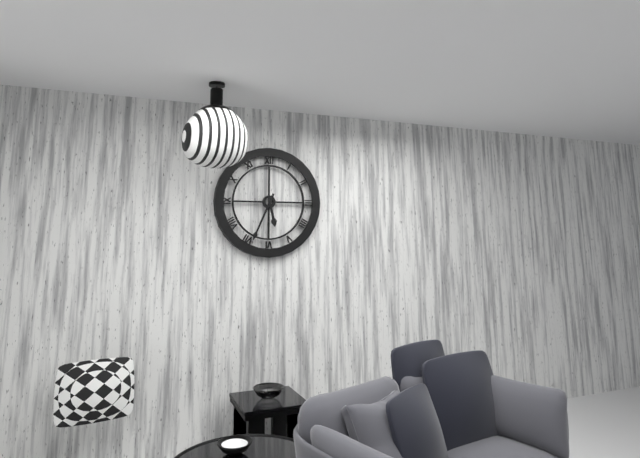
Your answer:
h=5 m=34
